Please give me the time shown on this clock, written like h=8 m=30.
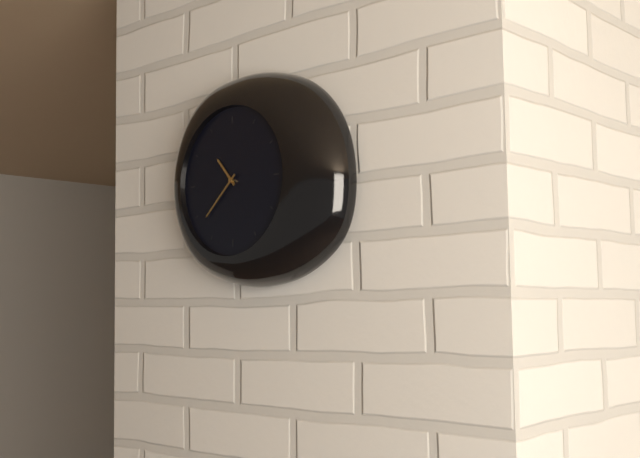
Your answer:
h=10 m=38
